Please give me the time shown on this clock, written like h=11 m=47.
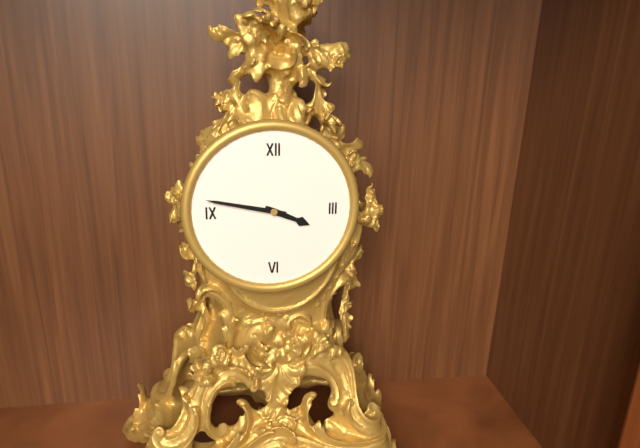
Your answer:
h=3 m=47
